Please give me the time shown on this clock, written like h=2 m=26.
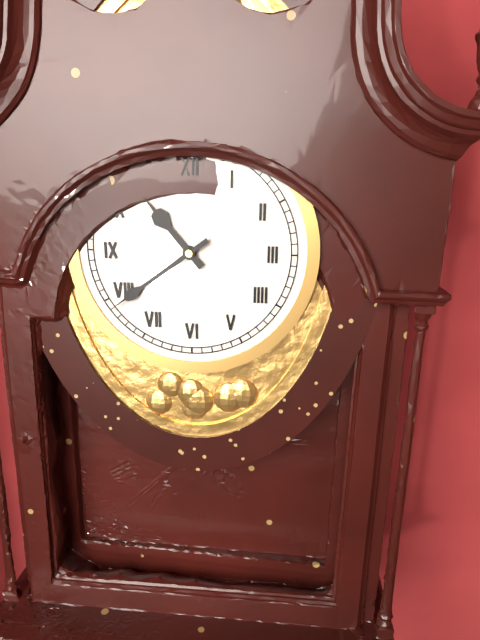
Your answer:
h=10 m=39
